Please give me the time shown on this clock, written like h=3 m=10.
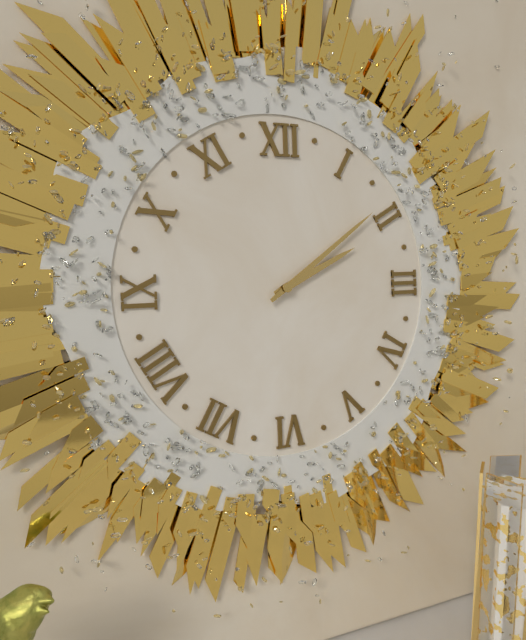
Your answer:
h=2 m=9
